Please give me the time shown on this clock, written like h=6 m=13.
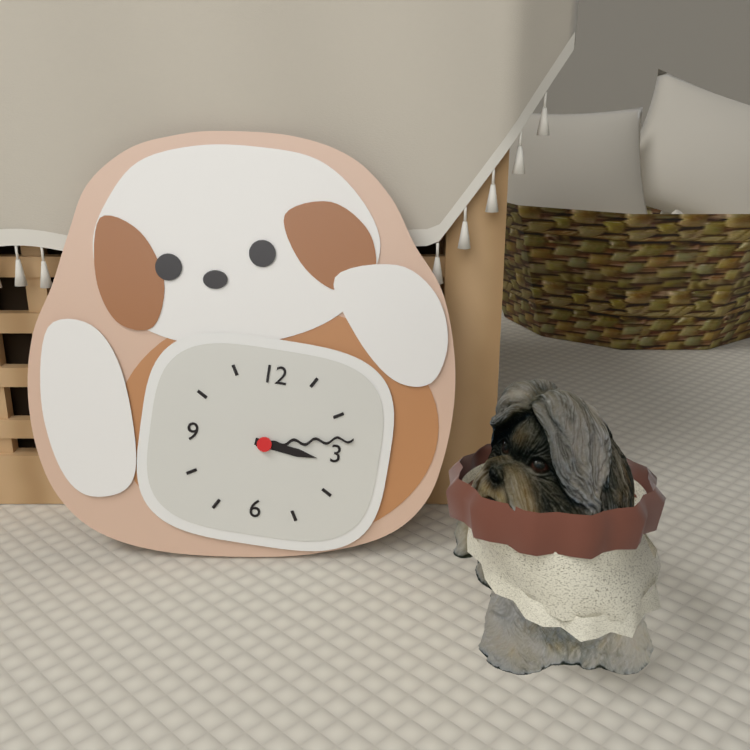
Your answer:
h=3 m=13
